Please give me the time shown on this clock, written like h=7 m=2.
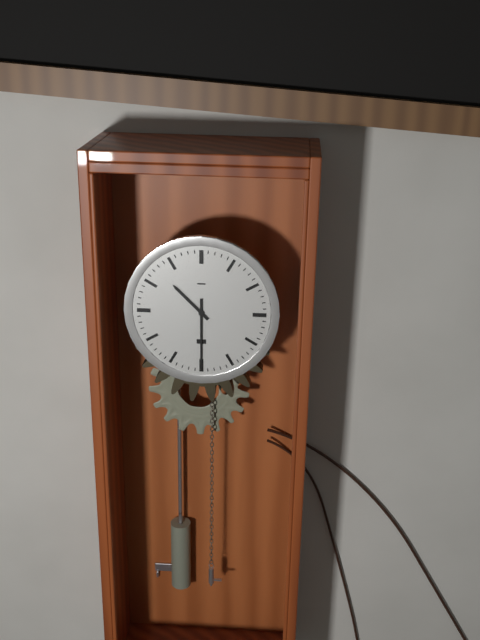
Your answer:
h=10 m=30
